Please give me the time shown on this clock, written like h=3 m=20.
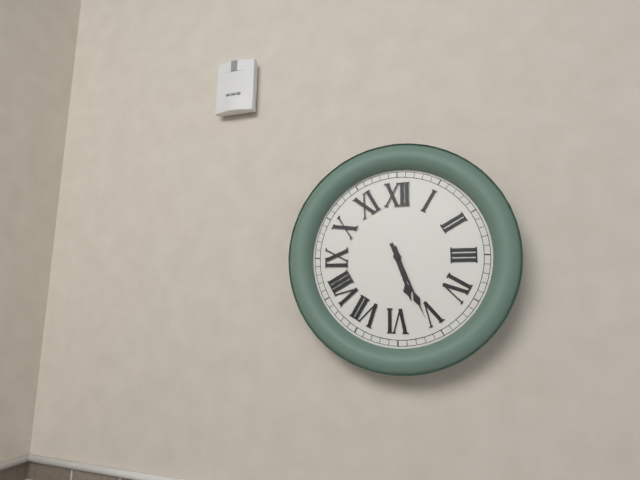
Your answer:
h=5 m=26
